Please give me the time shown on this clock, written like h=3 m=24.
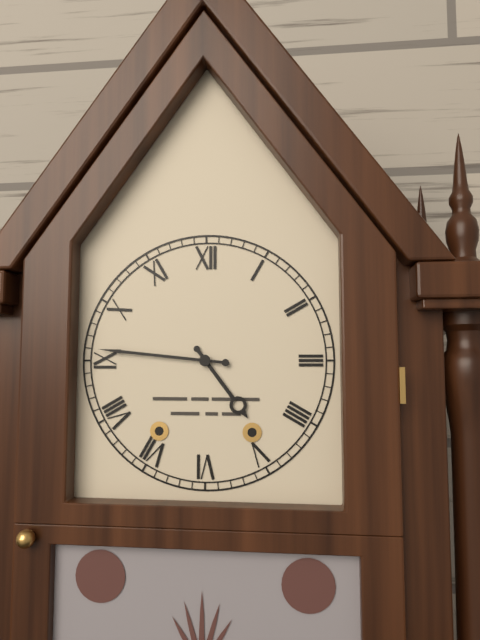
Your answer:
h=4 m=46
